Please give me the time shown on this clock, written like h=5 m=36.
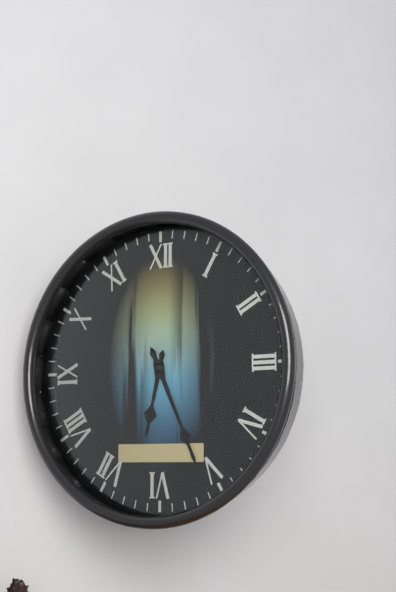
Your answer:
h=6 m=26
